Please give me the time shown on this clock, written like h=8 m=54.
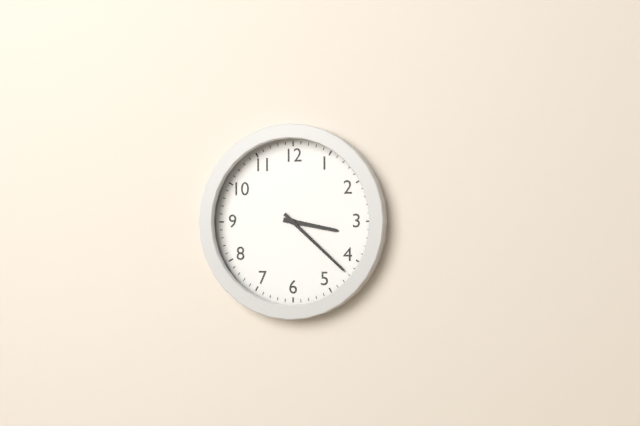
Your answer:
h=3 m=22
